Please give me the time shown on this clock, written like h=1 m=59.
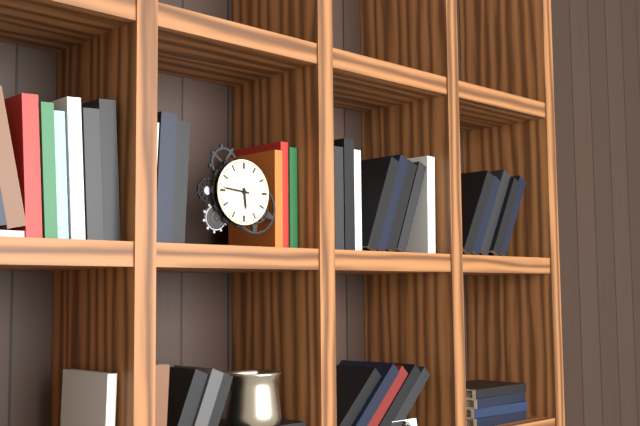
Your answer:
h=5 m=46
